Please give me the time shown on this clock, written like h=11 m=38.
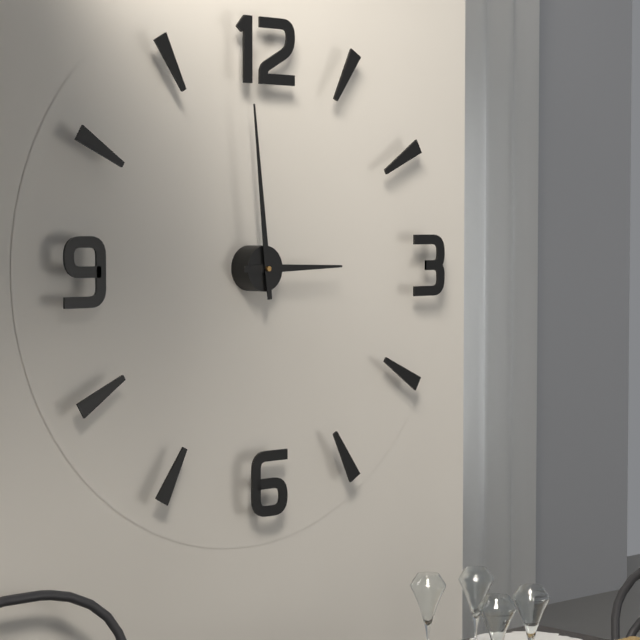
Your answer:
h=2 m=59
